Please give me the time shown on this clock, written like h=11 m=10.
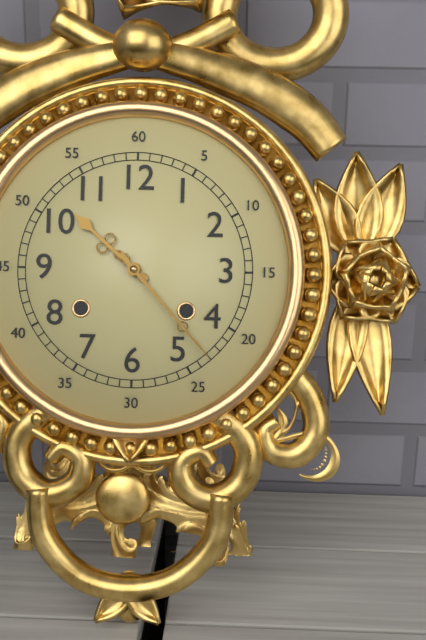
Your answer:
h=10 m=23
